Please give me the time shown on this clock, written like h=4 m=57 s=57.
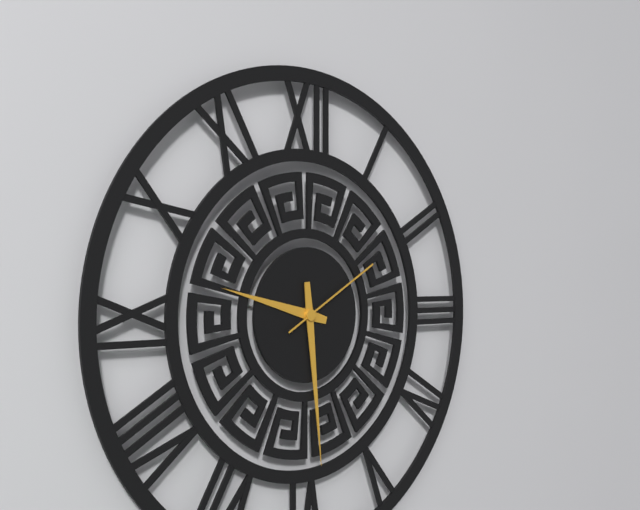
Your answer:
h=9 m=29 s=10
